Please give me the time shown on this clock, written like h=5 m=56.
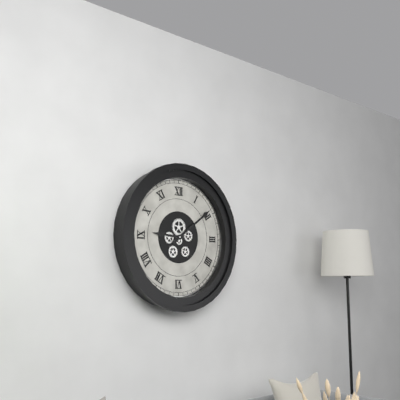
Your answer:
h=9 m=9
